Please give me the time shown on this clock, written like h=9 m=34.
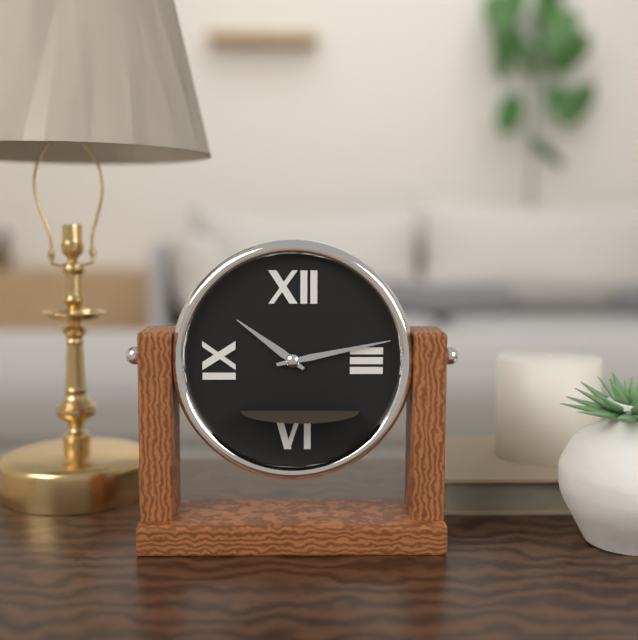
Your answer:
h=10 m=13
